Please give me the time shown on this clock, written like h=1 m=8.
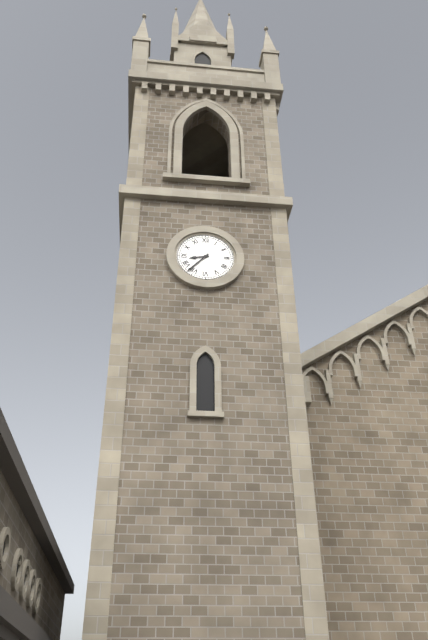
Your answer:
h=8 m=37
